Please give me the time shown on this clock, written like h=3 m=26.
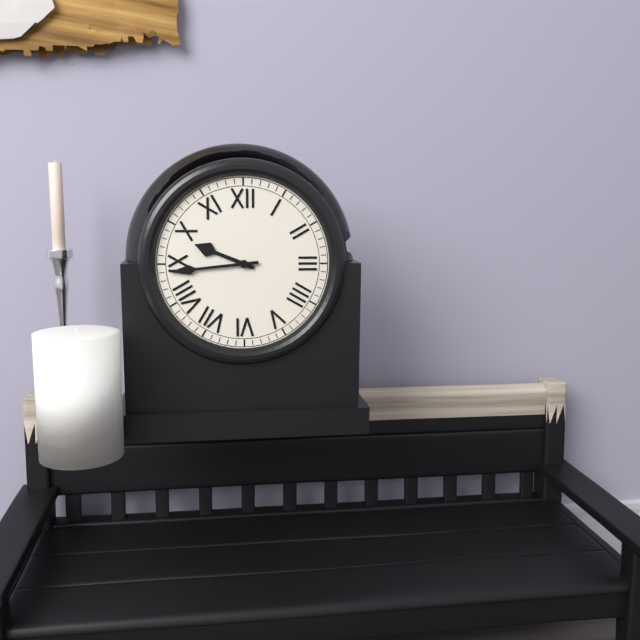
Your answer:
h=9 m=44
